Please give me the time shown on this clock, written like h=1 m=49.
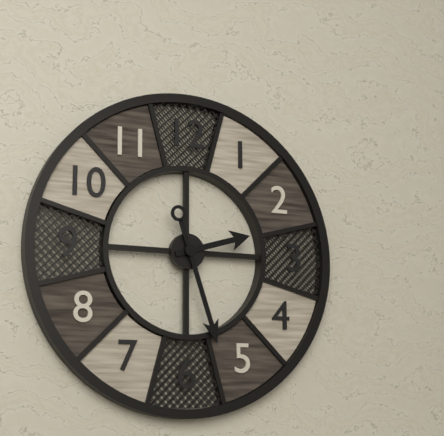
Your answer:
h=2 m=27
